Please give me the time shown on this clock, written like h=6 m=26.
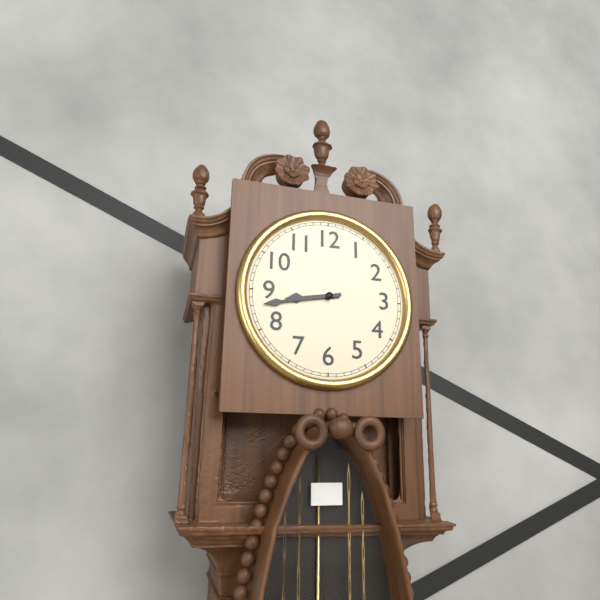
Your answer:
h=8 m=43
